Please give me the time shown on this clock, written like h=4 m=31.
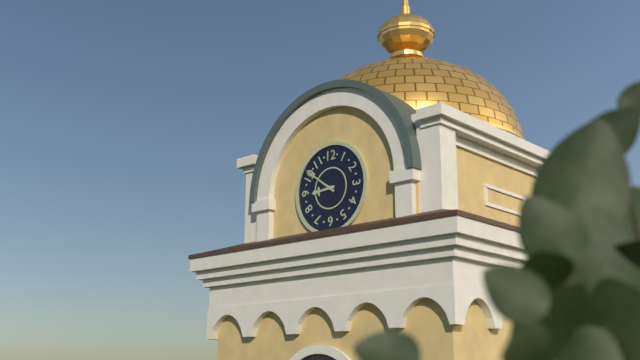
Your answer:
h=8 m=51
